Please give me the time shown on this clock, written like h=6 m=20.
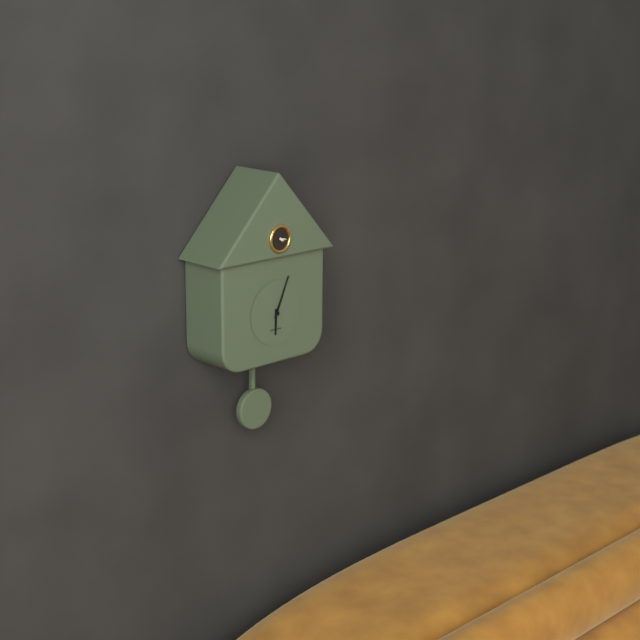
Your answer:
h=6 m=4
